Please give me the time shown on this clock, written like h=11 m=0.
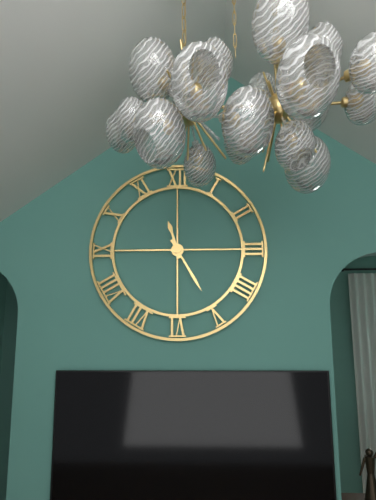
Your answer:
h=11 m=25
